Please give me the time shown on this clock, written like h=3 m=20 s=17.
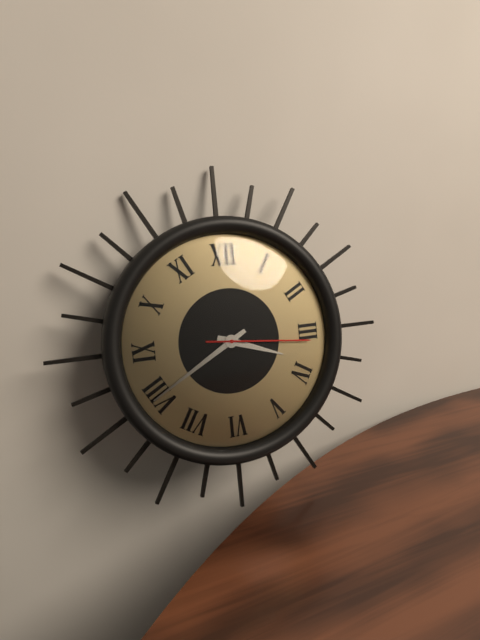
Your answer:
h=3 m=40 s=16
